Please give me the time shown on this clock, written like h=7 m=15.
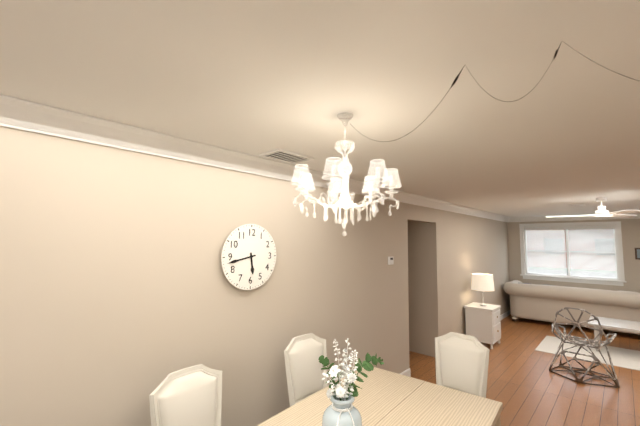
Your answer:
h=5 m=43
